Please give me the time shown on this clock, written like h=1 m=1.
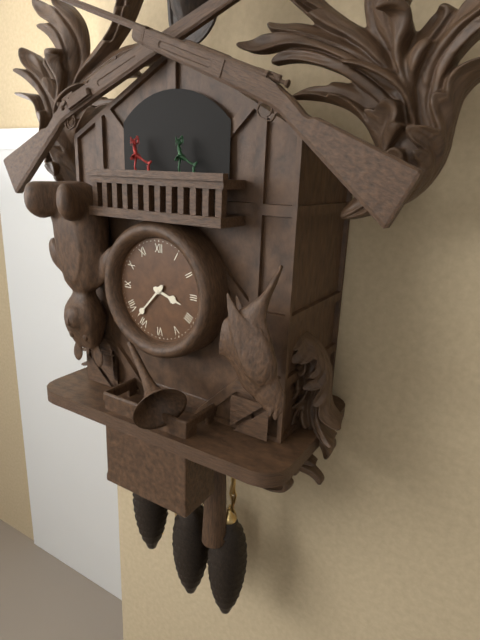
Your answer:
h=3 m=37
